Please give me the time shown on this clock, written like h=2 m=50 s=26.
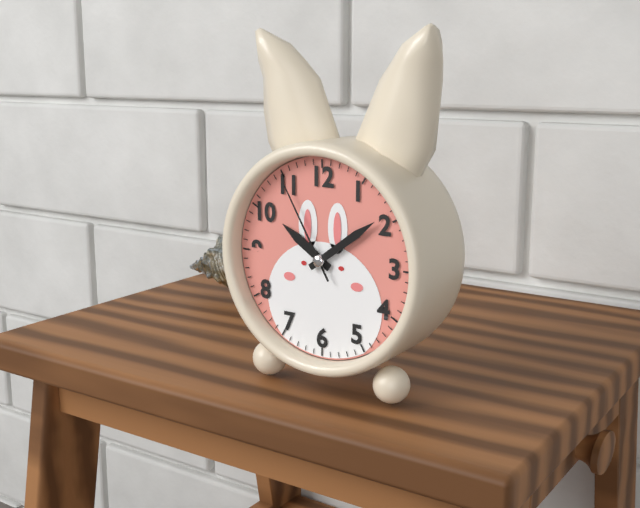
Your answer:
h=10 m=9 s=55
